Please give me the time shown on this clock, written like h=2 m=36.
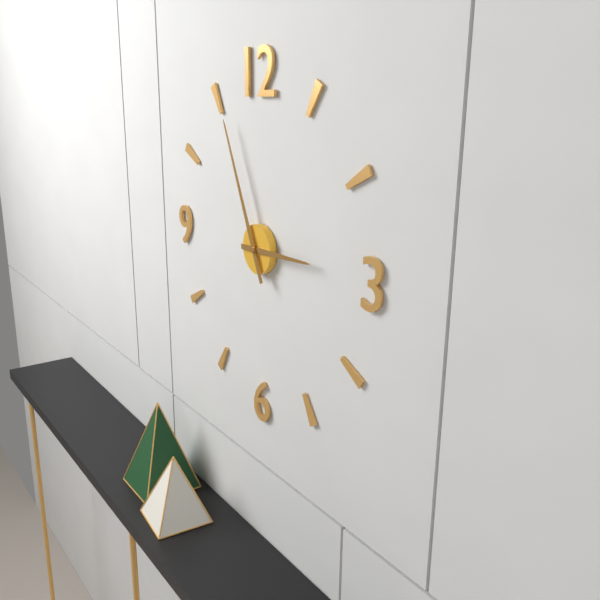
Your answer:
h=2 m=56
